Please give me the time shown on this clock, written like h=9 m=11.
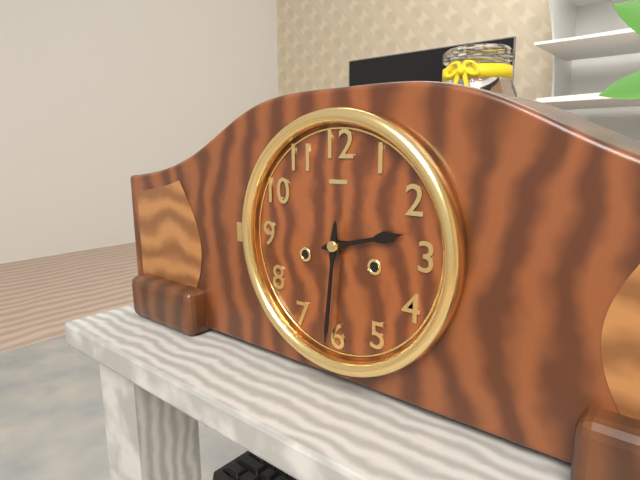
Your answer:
h=2 m=31
